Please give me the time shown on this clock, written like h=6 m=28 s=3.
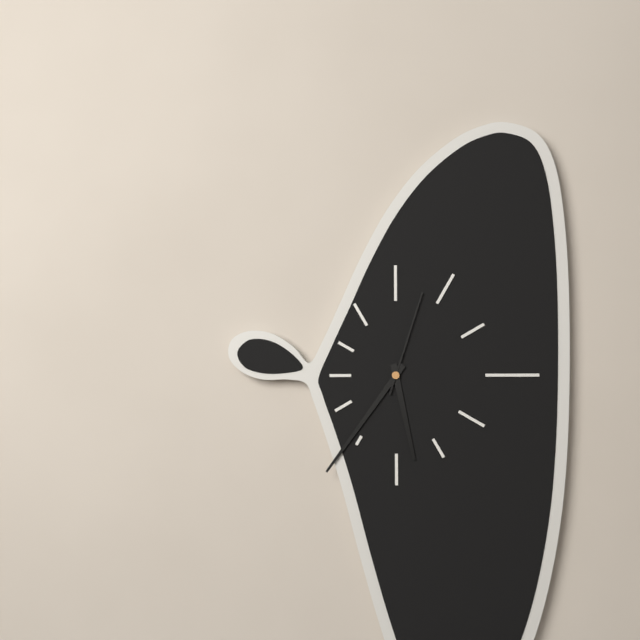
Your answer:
h=5 m=36 s=3
